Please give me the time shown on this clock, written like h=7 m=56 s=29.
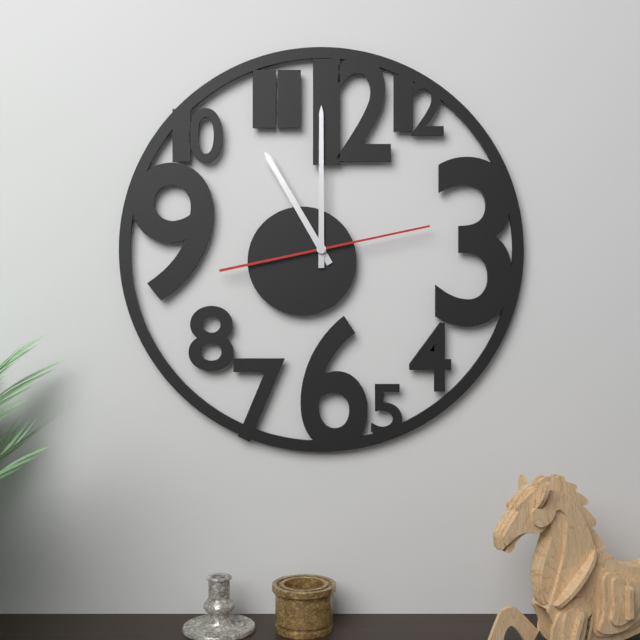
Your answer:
h=11 m=0 s=13
